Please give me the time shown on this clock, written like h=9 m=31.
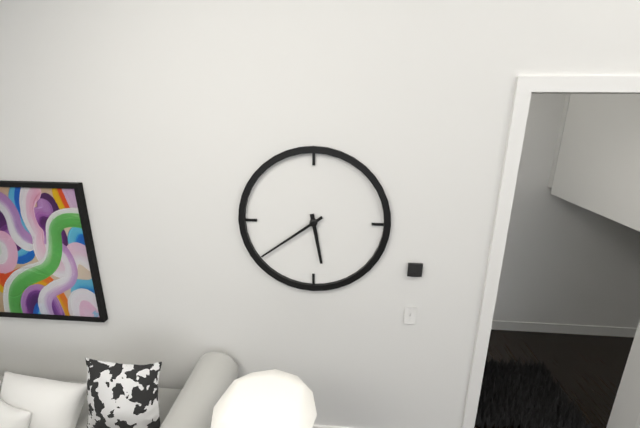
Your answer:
h=5 m=39
